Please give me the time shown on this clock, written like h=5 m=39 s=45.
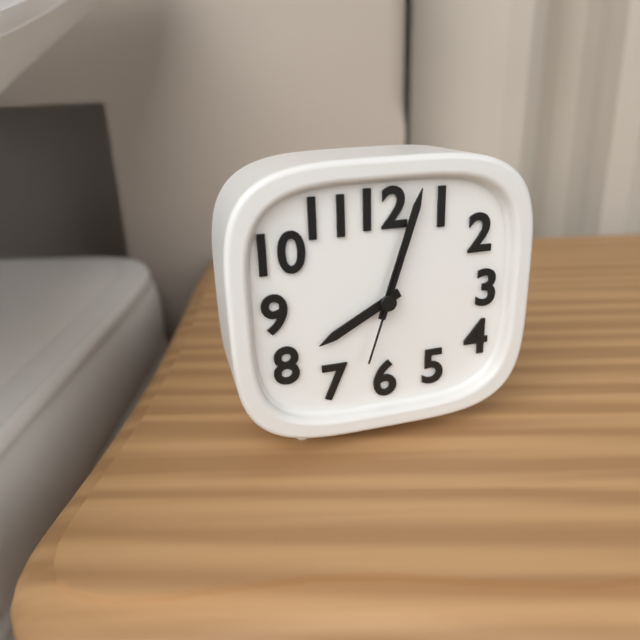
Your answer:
h=8 m=3 s=33
